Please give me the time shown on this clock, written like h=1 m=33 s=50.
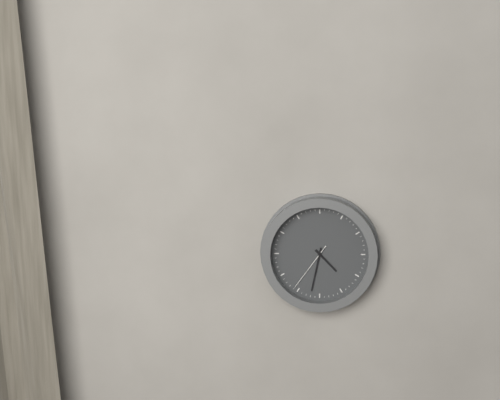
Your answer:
h=4 m=32 s=36
